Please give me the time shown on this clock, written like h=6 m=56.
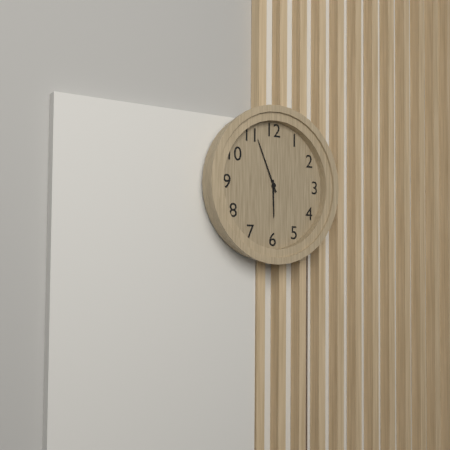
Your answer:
h=5 m=56
